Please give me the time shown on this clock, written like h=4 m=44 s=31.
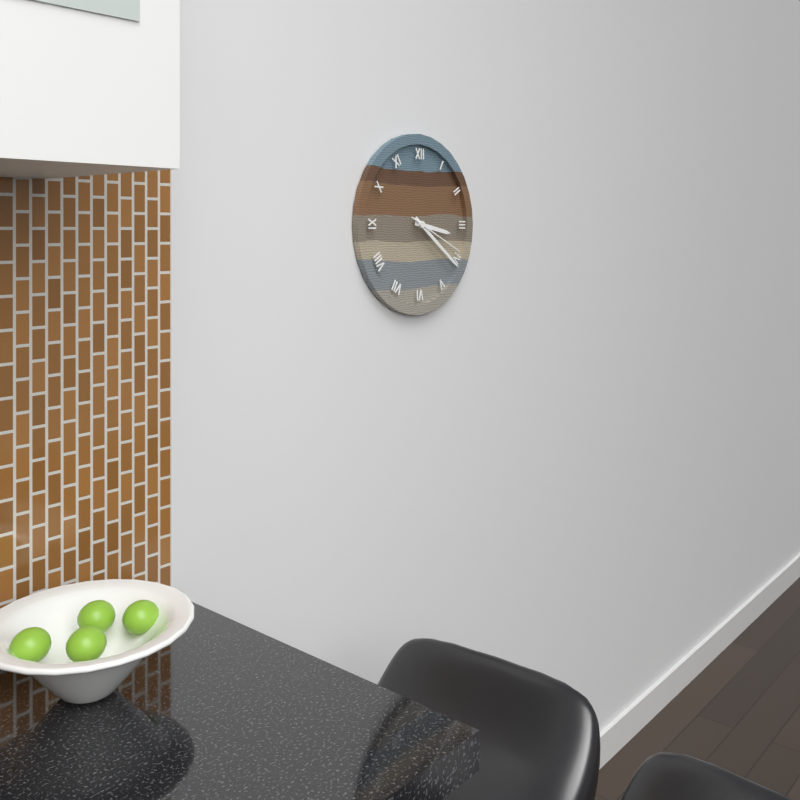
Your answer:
h=3 m=21 s=19
